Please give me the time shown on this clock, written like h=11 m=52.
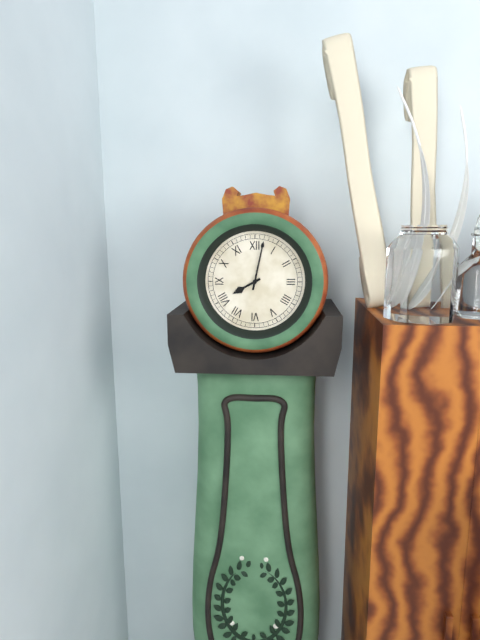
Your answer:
h=8 m=2
